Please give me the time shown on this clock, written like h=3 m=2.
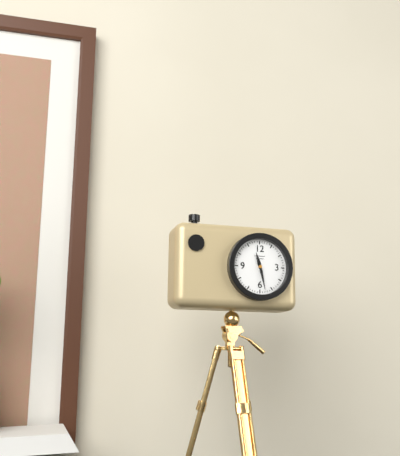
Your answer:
h=11 m=28
